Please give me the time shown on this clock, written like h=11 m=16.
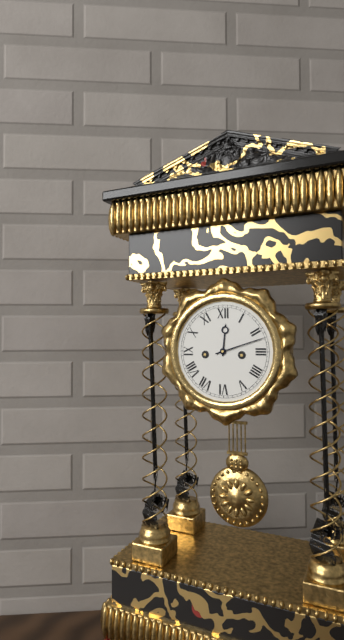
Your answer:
h=12 m=12
